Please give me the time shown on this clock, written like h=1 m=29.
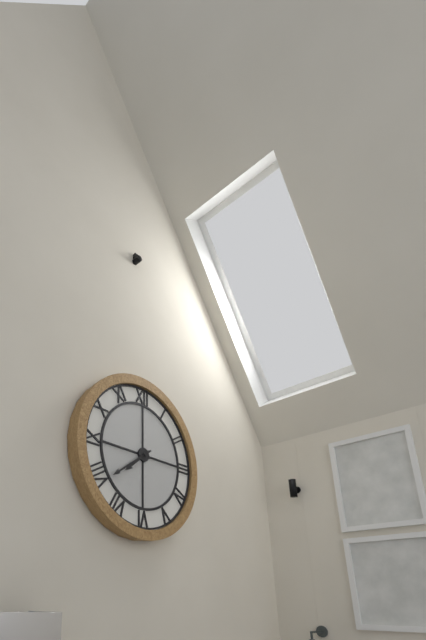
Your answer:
h=7 m=39
